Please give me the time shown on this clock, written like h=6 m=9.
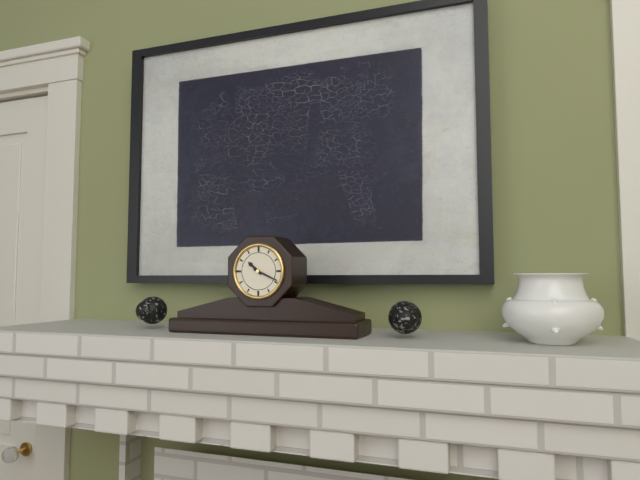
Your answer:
h=10 m=19
